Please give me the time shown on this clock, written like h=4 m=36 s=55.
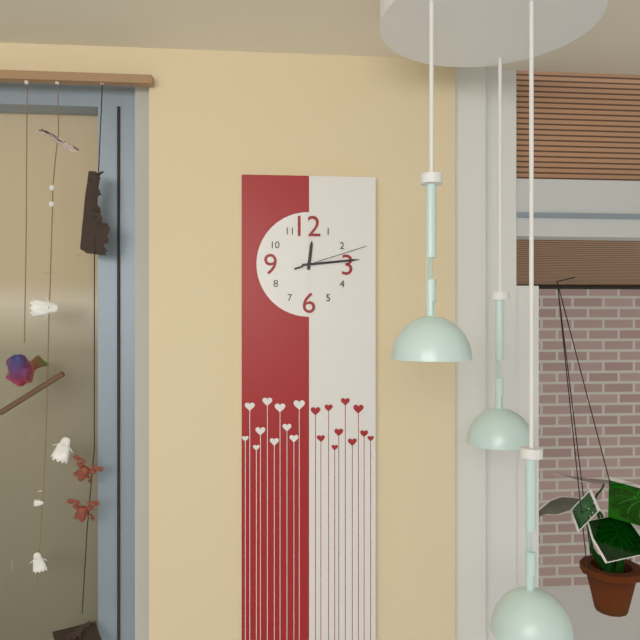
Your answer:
h=12 m=14 s=12
